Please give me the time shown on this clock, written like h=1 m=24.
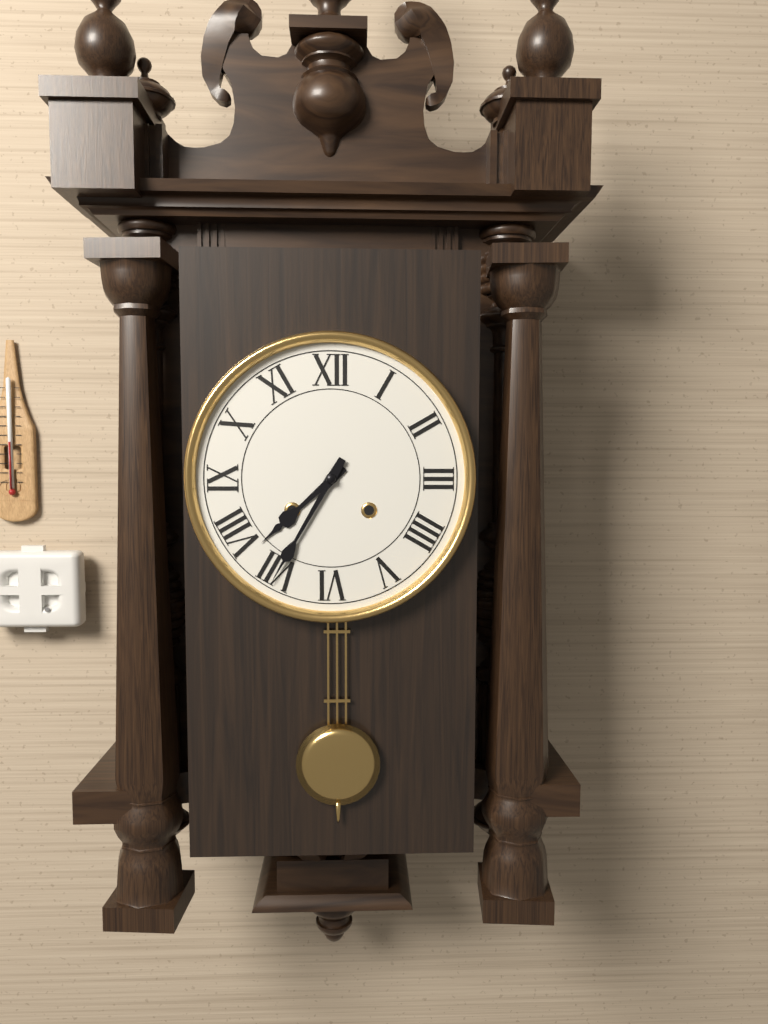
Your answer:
h=7 m=35
